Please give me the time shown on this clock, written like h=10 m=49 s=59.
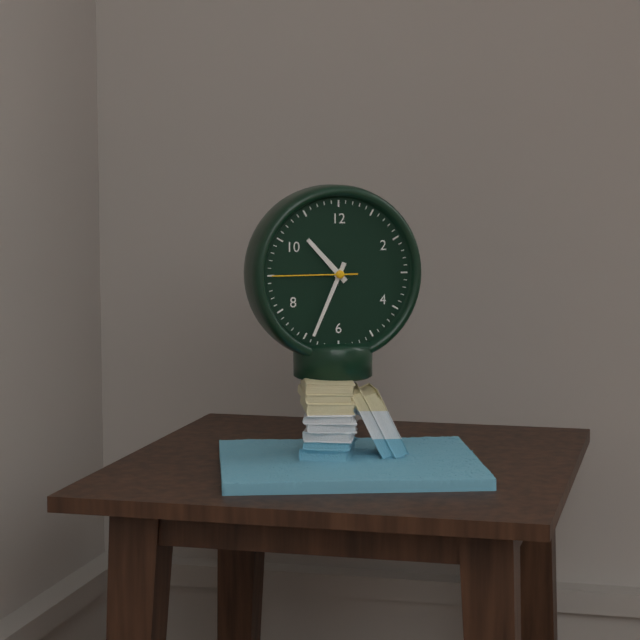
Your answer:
h=10 m=34 s=45
